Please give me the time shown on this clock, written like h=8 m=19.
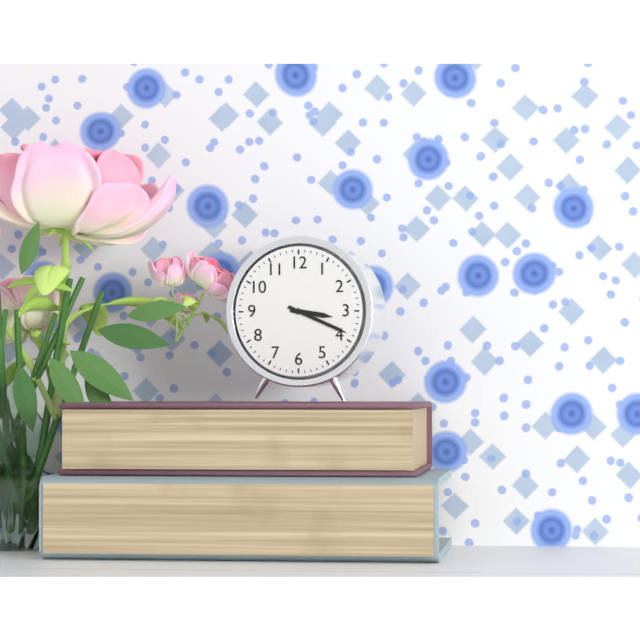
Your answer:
h=3 m=19
